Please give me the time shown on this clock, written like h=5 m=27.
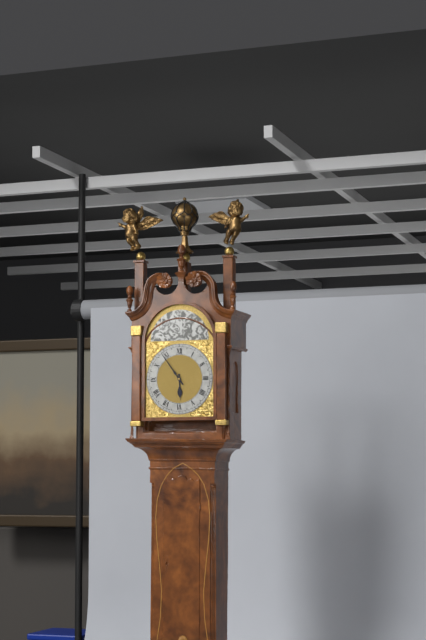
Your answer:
h=5 m=54
